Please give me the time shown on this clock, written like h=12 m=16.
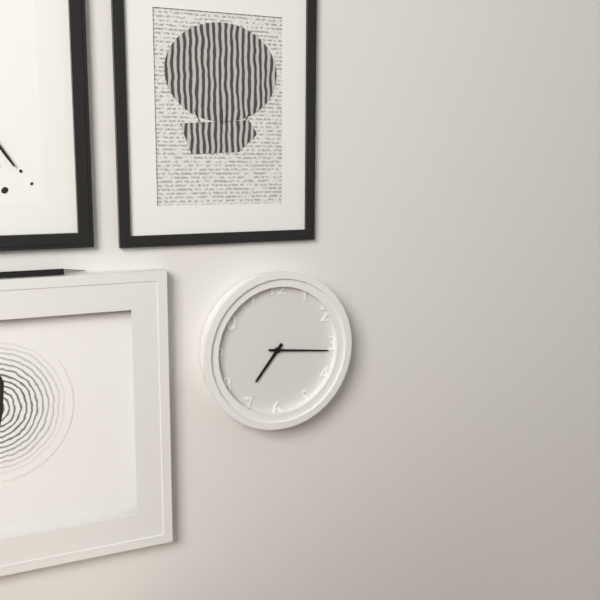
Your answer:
h=7 m=16
